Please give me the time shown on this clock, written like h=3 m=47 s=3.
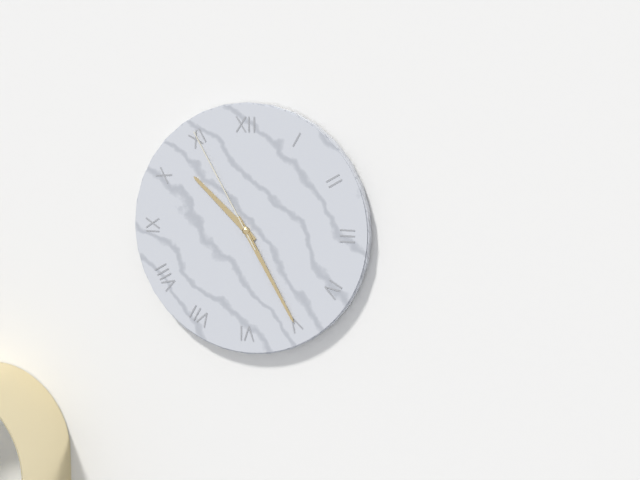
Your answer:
h=10 m=25 s=55
